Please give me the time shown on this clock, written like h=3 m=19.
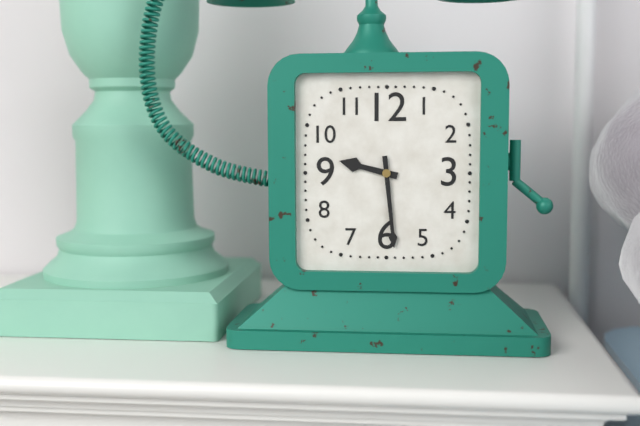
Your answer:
h=9 m=29
